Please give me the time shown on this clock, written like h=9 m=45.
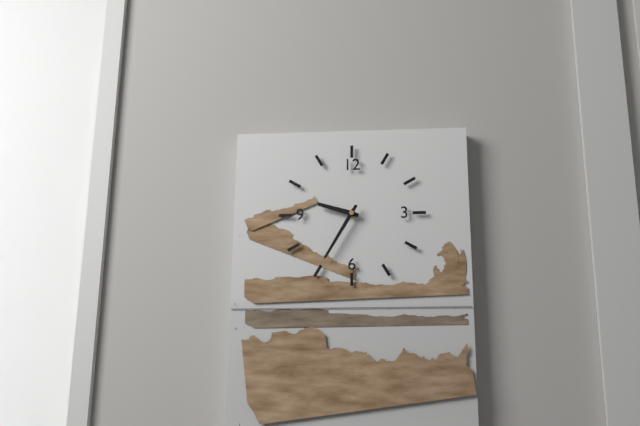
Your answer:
h=9 m=35
